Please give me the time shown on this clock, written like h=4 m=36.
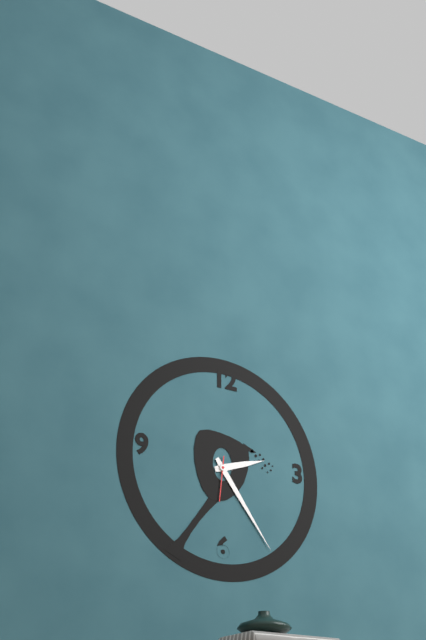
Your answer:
h=2 m=24
